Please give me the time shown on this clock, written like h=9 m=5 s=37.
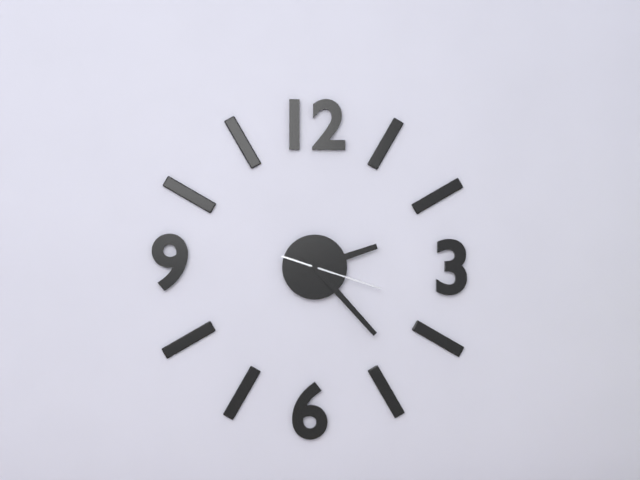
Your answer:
h=2 m=23 s=18
